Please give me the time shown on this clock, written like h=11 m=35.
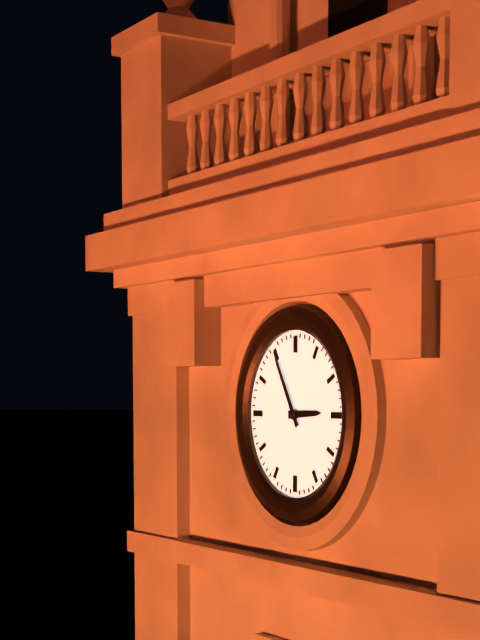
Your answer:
h=2 m=55
